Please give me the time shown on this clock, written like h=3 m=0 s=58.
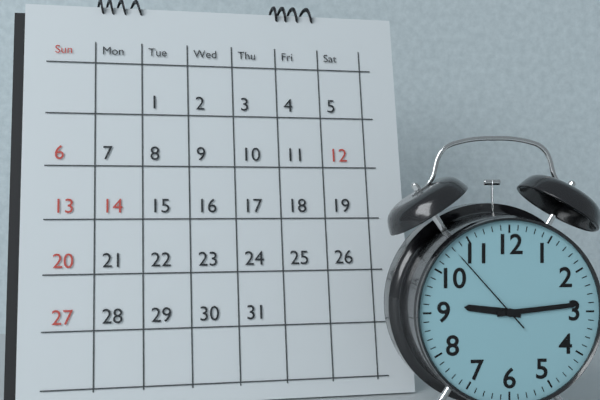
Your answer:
h=9 m=14 s=53
